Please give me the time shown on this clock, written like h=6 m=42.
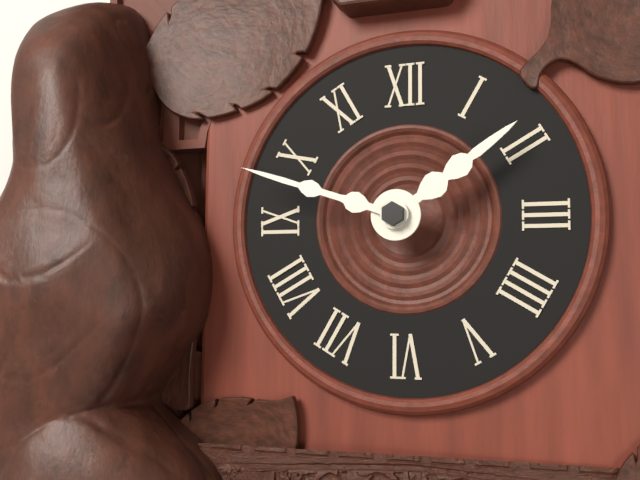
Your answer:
h=1 m=48
